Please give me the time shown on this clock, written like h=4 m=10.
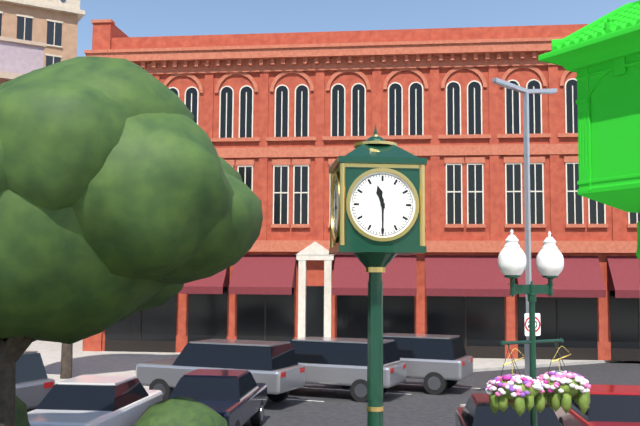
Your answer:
h=11 m=30
